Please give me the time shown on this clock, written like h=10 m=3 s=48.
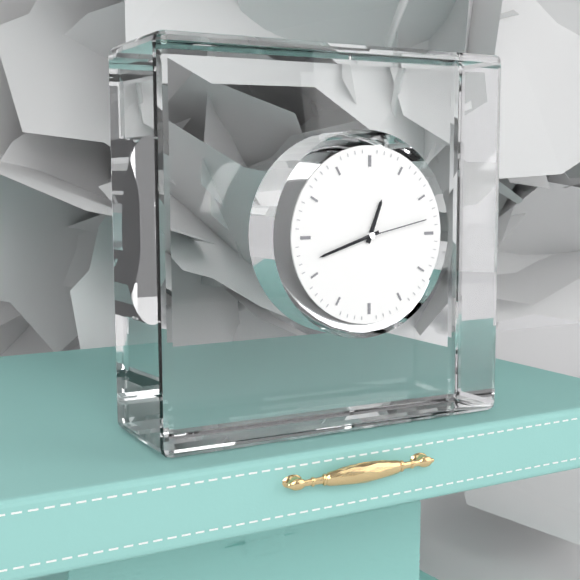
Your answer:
h=12 m=42 s=13
